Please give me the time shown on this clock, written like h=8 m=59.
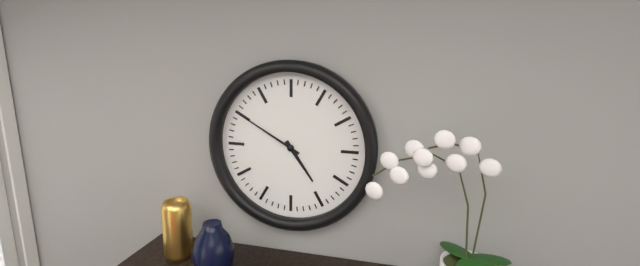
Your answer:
h=4 m=50
